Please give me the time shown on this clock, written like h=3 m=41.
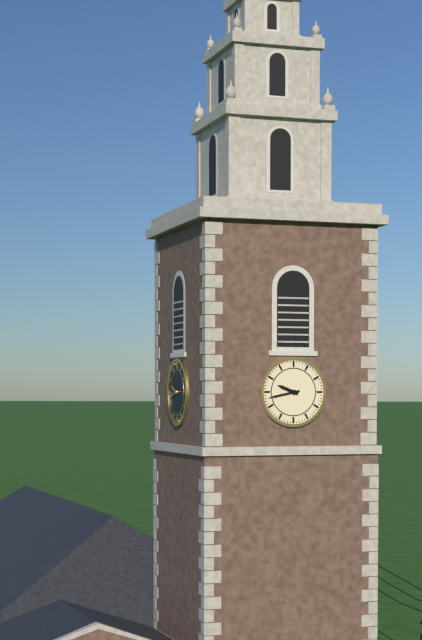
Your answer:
h=9 m=43
